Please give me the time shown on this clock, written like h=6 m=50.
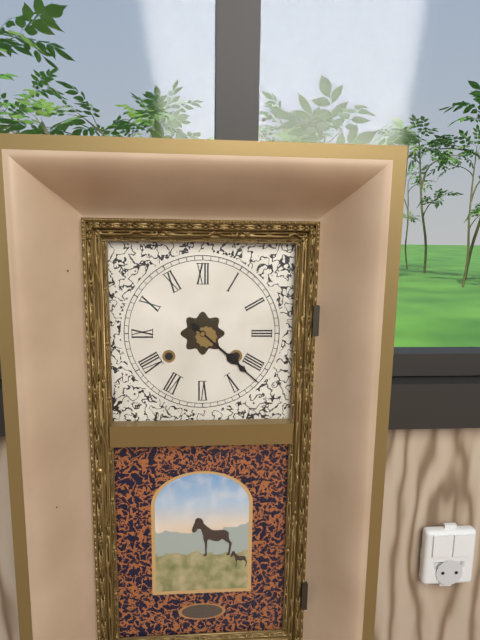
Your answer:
h=4 m=22
